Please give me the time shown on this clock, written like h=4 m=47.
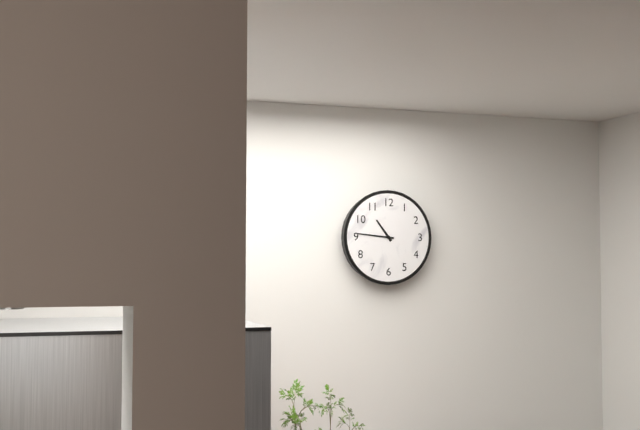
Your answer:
h=10 m=46
